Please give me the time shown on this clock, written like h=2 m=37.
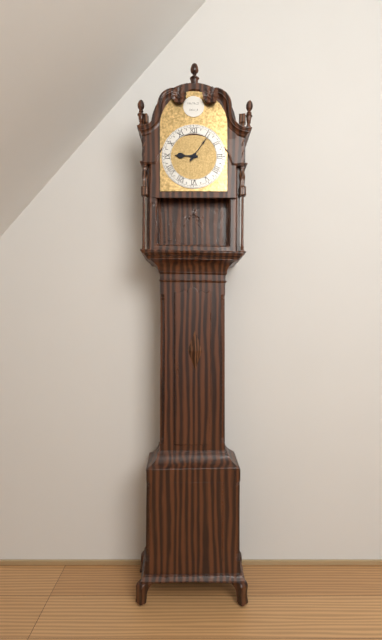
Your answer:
h=9 m=6
